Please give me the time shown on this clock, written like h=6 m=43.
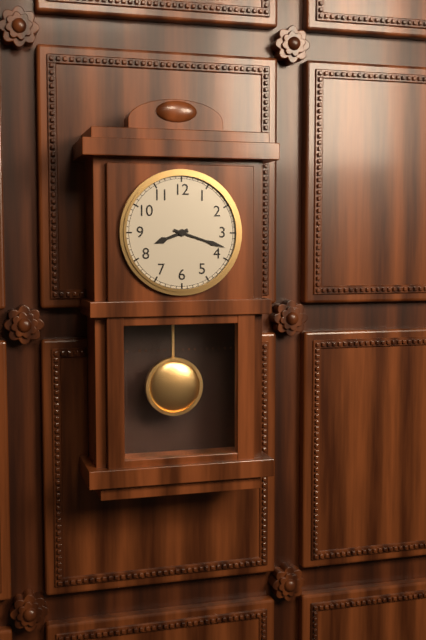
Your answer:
h=8 m=18
